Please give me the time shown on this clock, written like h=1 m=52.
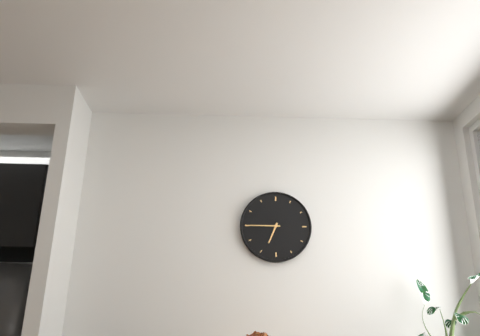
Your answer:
h=6 m=45
